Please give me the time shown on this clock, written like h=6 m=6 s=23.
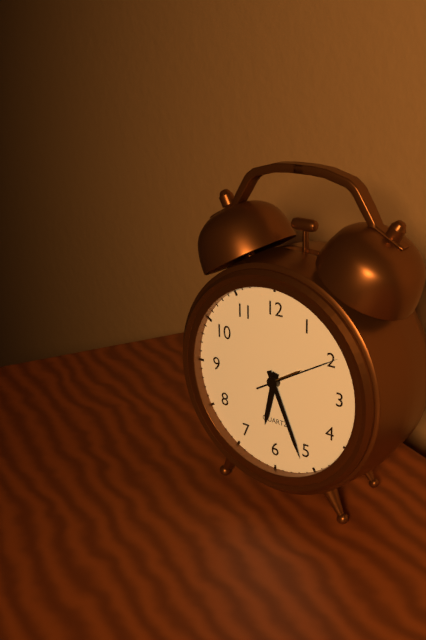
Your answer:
h=6 m=26 s=10
